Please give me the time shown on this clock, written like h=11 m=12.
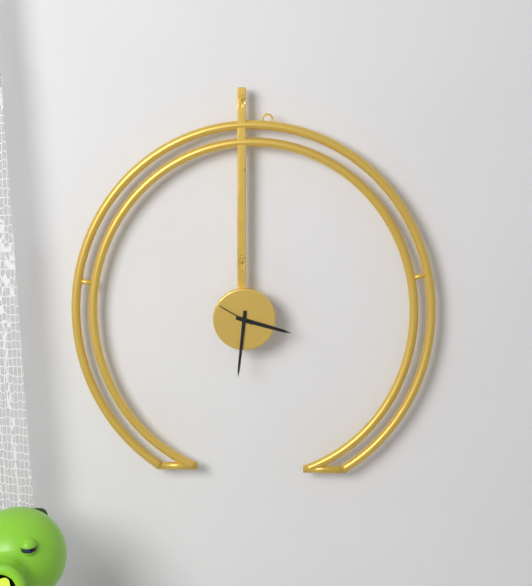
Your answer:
h=3 m=31
